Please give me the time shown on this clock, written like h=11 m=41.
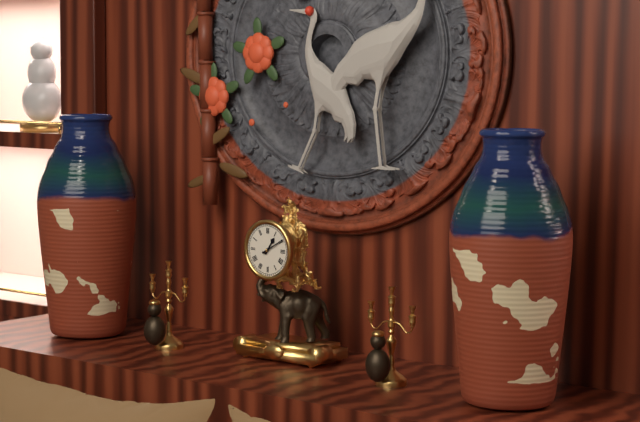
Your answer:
h=1 m=10
